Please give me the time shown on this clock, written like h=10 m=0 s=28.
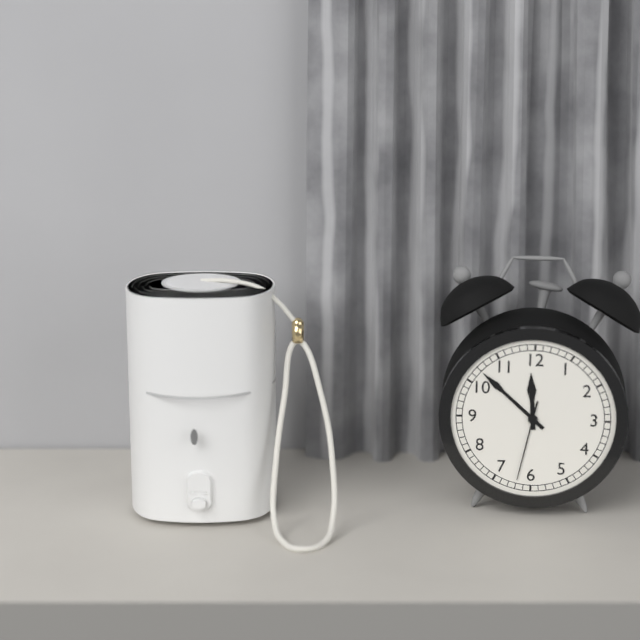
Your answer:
h=11 m=52 s=32
